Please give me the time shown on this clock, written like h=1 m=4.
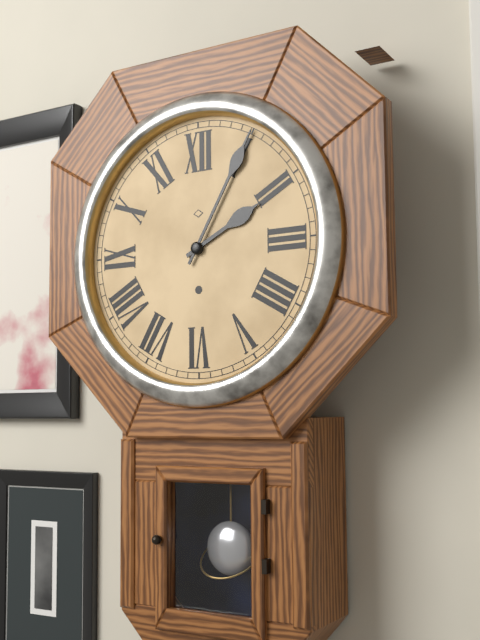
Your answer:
h=2 m=5
